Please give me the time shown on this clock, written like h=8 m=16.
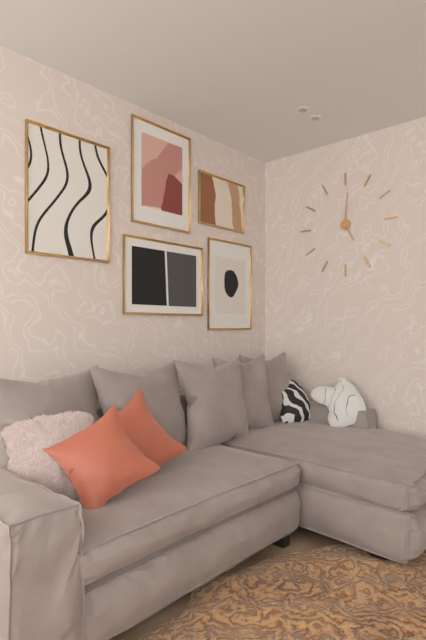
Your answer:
h=5 m=1
